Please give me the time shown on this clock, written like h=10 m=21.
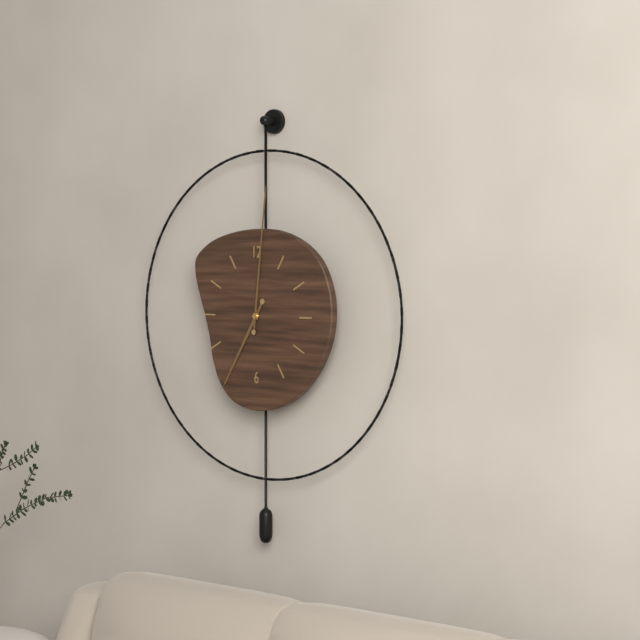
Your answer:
h=7 m=1
